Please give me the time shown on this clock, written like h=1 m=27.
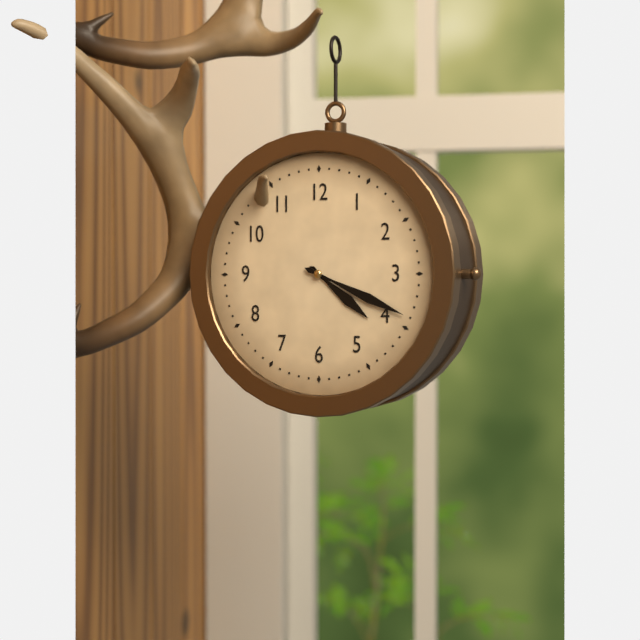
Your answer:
h=4 m=19
